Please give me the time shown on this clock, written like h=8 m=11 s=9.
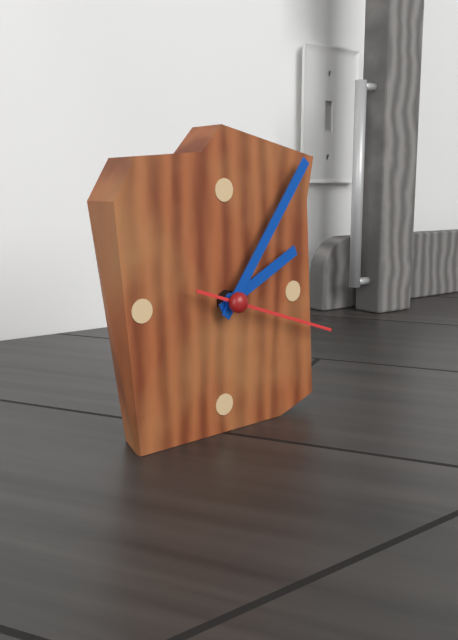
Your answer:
h=2 m=6 s=18
